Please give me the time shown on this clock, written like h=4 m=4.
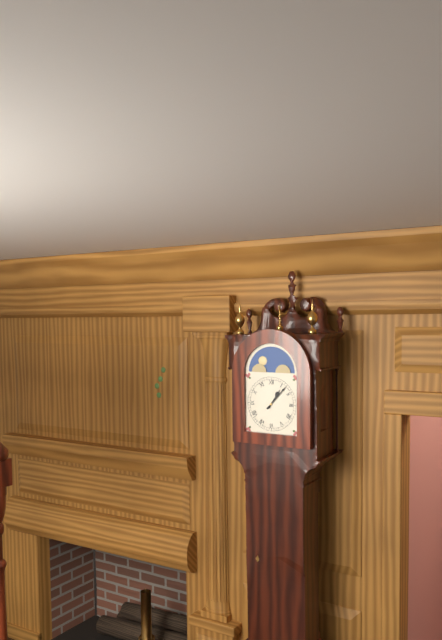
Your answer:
h=1 m=7
